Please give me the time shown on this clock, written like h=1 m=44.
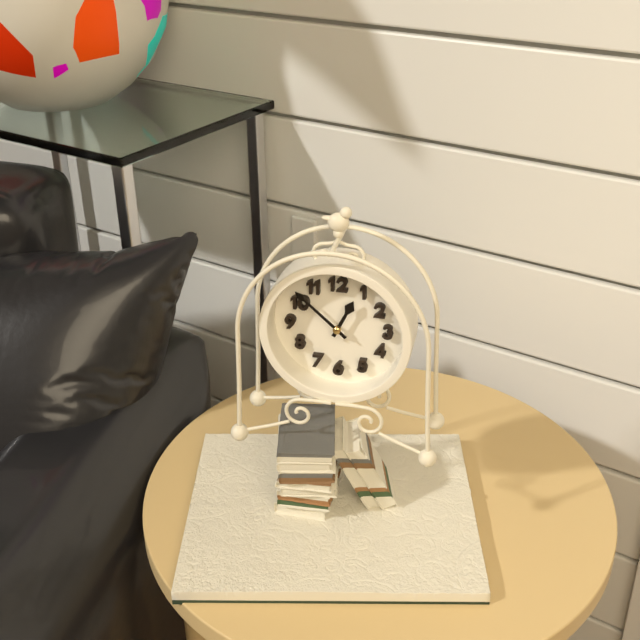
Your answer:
h=12 m=52
